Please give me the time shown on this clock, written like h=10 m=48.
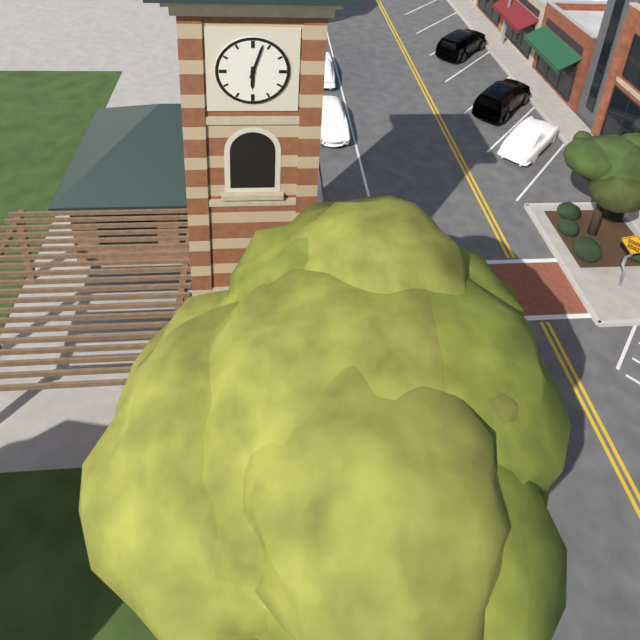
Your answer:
h=6 m=3
